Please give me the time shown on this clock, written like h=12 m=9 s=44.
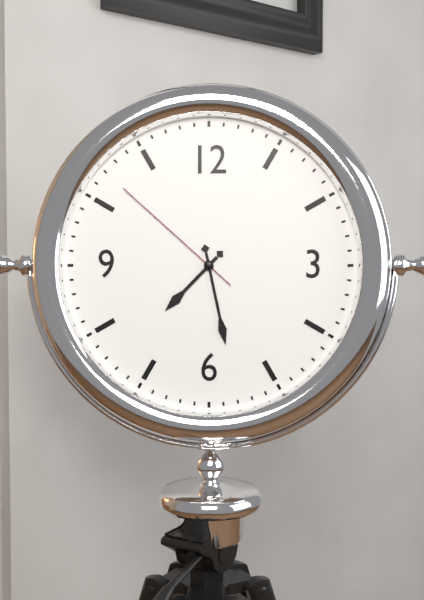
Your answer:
h=7 m=28 s=52
